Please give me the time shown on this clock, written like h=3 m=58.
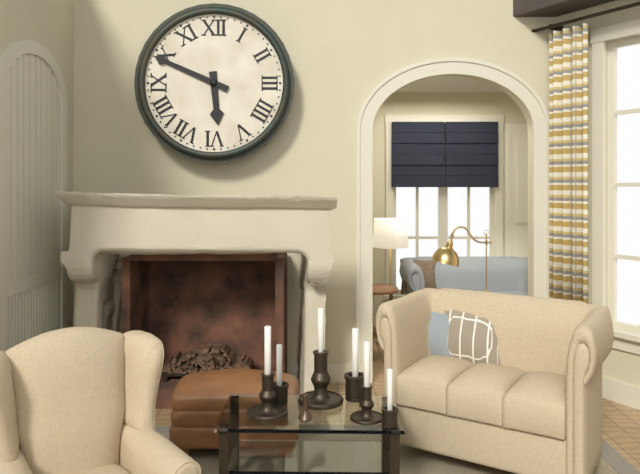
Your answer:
h=5 m=49
